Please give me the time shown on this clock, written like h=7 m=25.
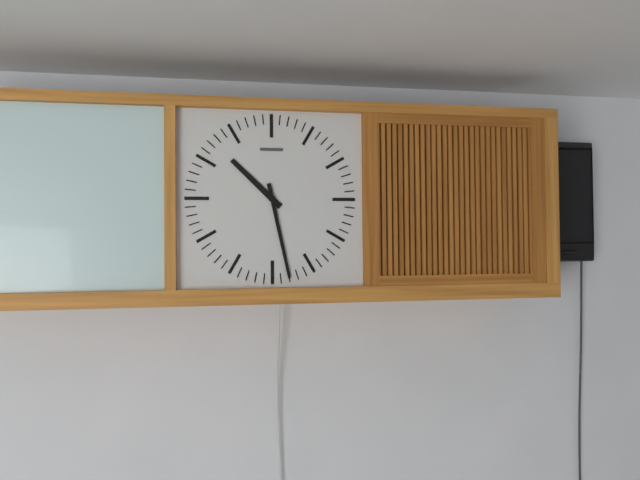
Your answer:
h=10 m=28
